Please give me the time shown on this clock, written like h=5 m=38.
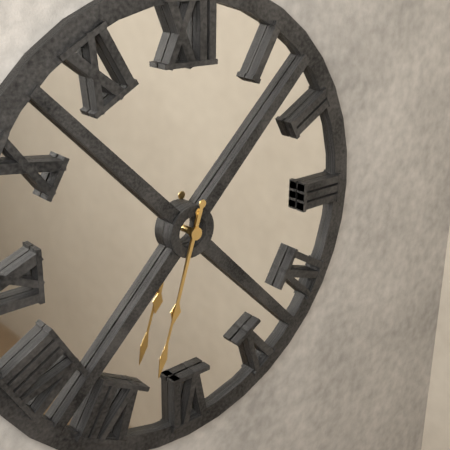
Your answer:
h=6 m=33
